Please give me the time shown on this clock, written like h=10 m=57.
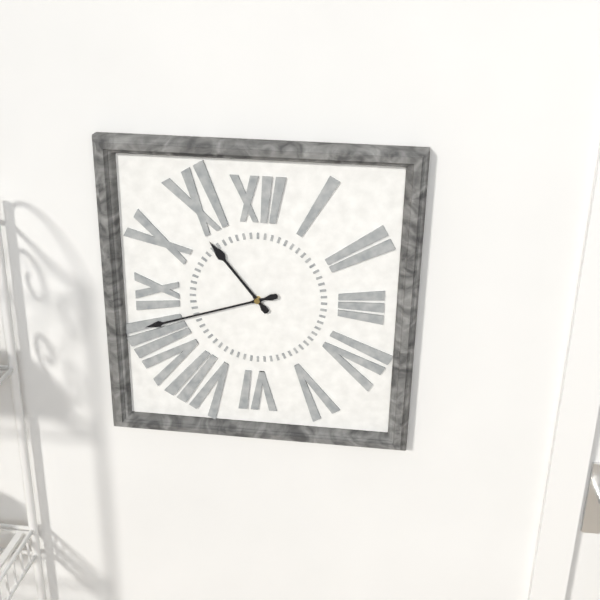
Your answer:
h=10 m=42
